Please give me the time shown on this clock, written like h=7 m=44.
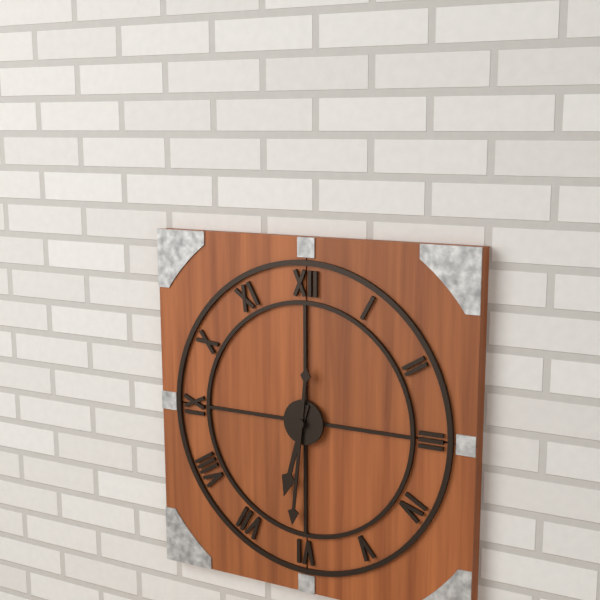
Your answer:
h=6 m=31
